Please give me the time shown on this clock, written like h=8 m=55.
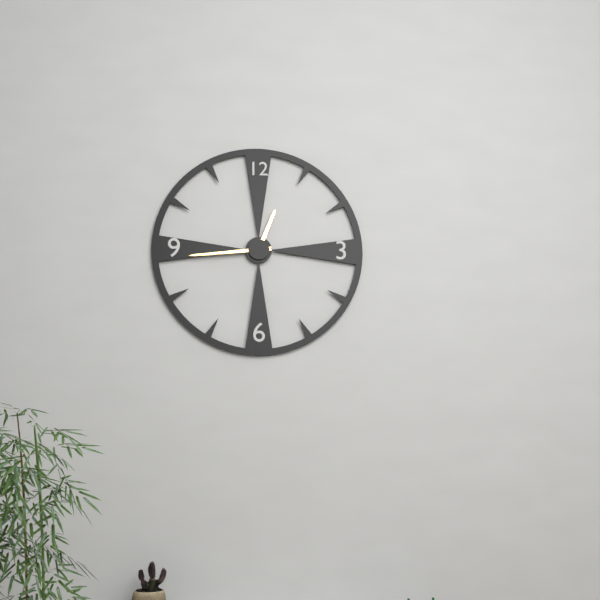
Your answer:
h=12 m=44
